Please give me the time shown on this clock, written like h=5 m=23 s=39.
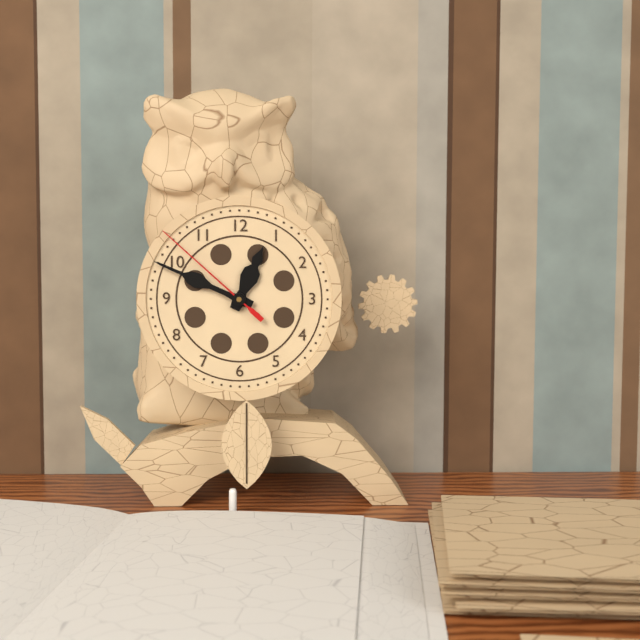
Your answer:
h=12 m=49 s=52
